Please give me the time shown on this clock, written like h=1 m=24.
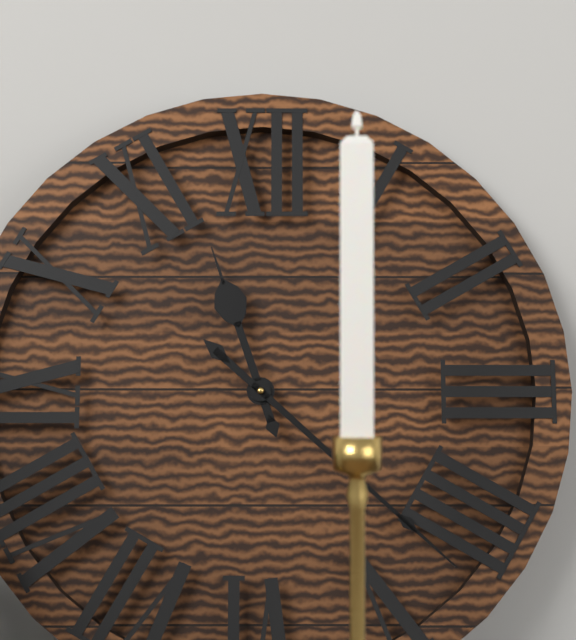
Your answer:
h=11 m=22
